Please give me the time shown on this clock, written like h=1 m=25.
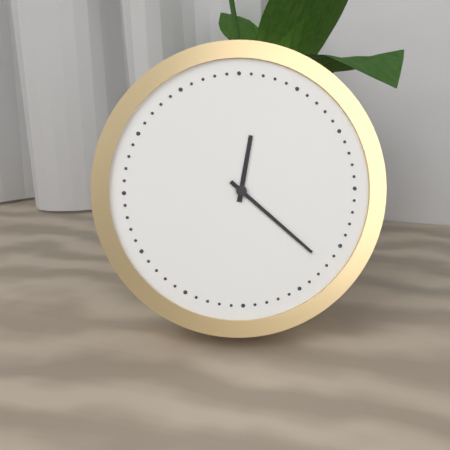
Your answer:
h=12 m=22
